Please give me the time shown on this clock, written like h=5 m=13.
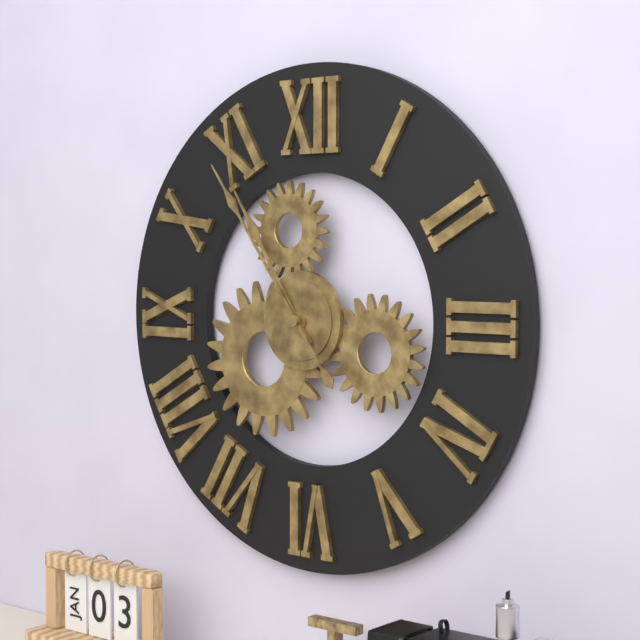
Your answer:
h=10 m=54
